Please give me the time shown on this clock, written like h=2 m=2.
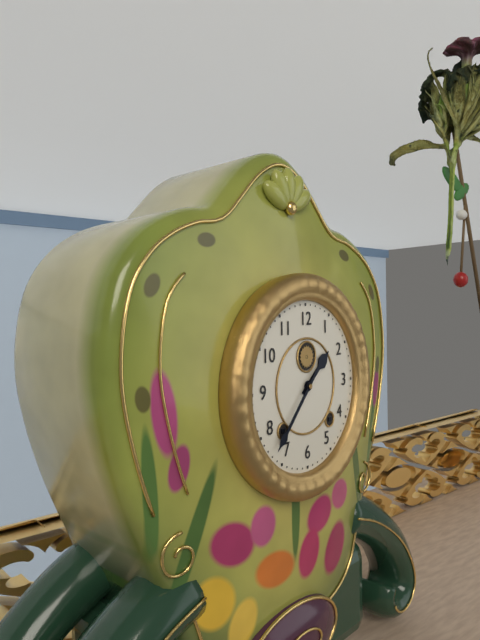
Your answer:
h=1 m=37
